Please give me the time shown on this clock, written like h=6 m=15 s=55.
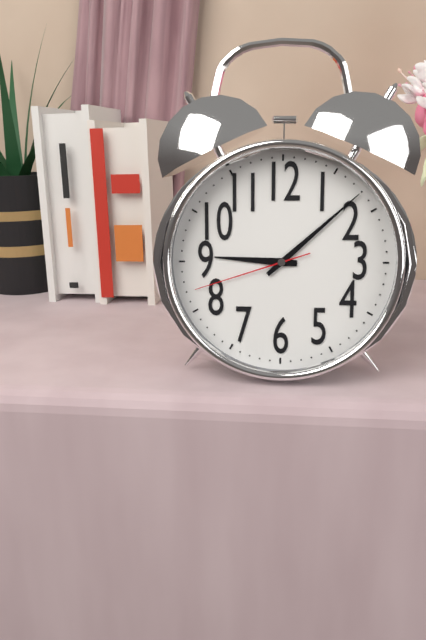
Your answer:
h=9 m=8 s=42
